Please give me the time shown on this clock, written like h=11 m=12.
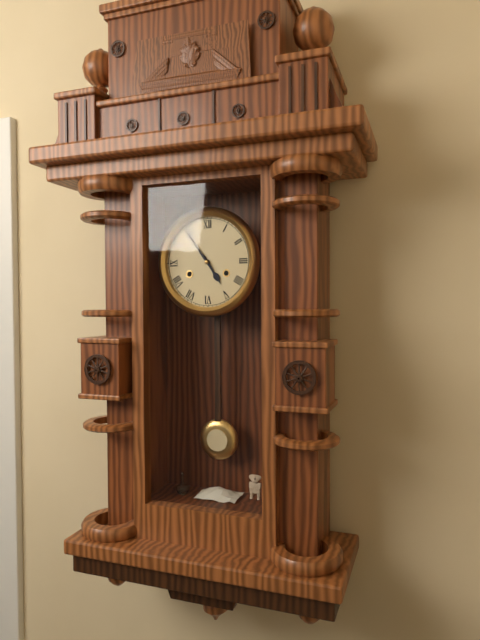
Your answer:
h=4 m=54
